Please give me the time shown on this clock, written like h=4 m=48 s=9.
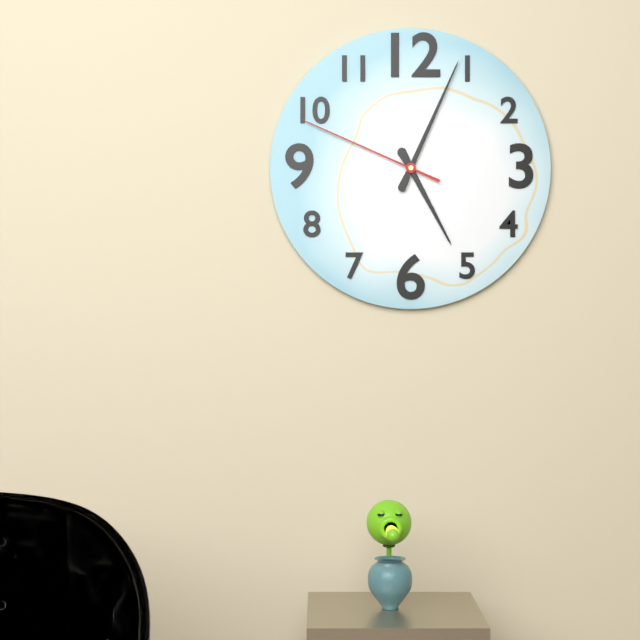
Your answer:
h=5 m=4 s=49
